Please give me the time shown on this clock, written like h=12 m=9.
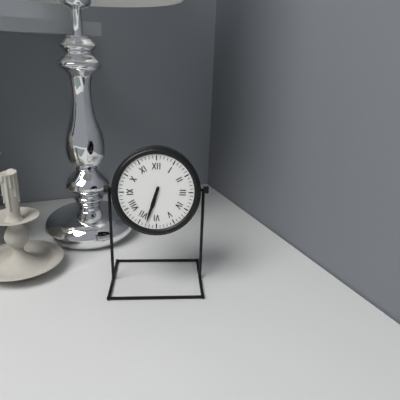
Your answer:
h=6 m=33
